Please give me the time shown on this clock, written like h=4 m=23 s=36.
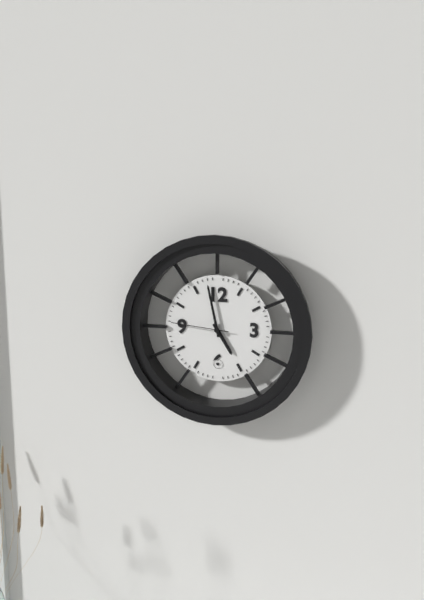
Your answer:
h=4 m=58 s=46
